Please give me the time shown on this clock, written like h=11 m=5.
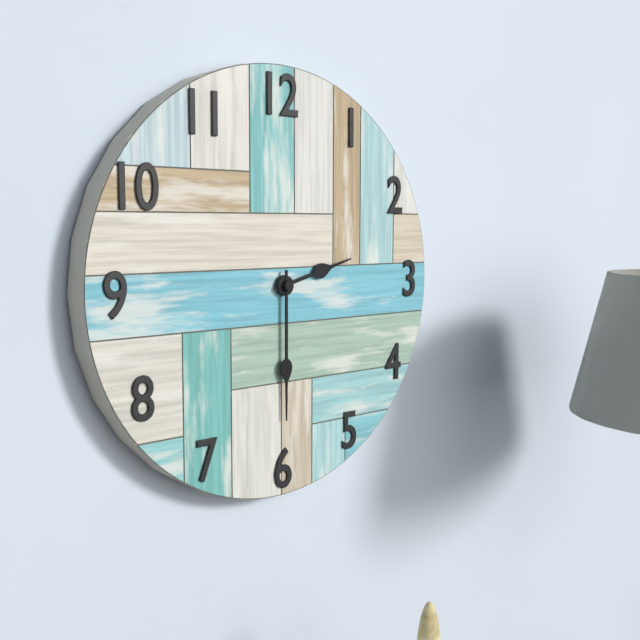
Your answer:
h=2 m=30
